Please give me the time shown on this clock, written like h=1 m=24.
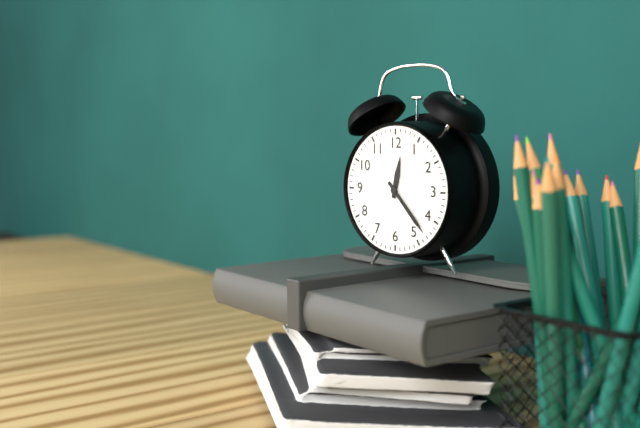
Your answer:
h=12 m=23
